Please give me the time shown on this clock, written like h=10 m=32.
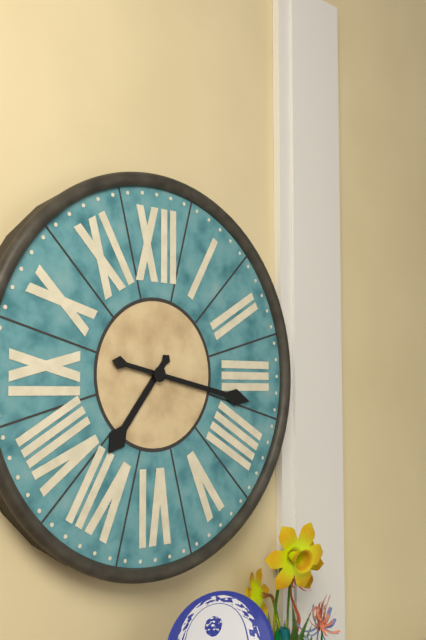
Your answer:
h=7 m=17
